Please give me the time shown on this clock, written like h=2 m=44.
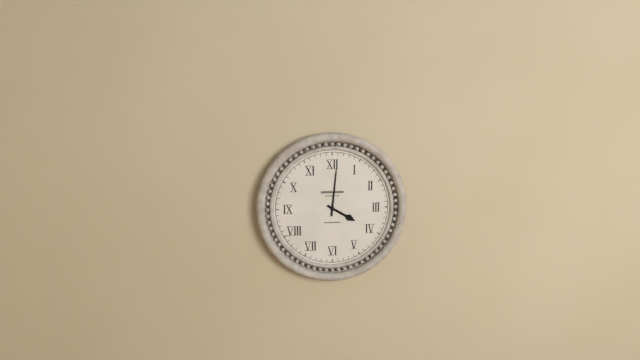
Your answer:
h=4 m=1
